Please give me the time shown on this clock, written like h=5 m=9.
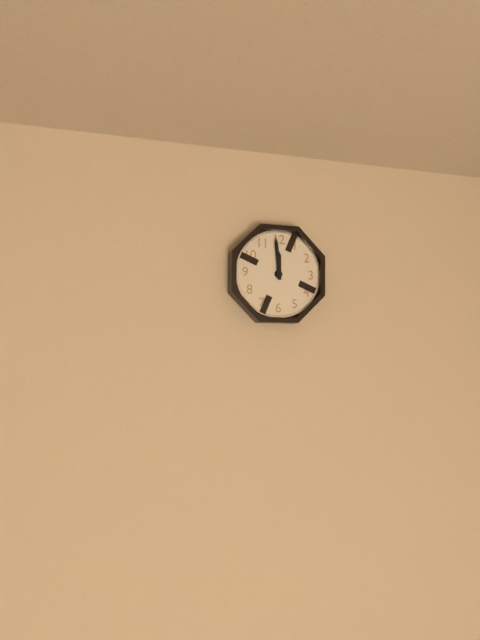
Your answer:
h=11 m=59
